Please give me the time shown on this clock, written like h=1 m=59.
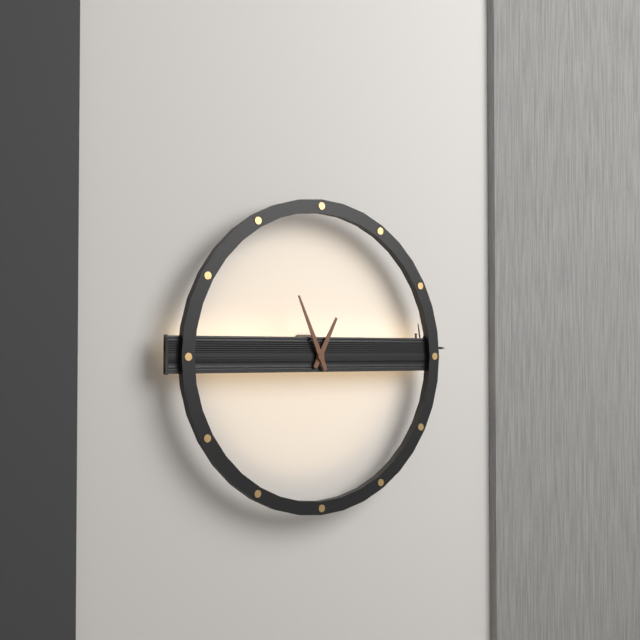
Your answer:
h=12 m=56
